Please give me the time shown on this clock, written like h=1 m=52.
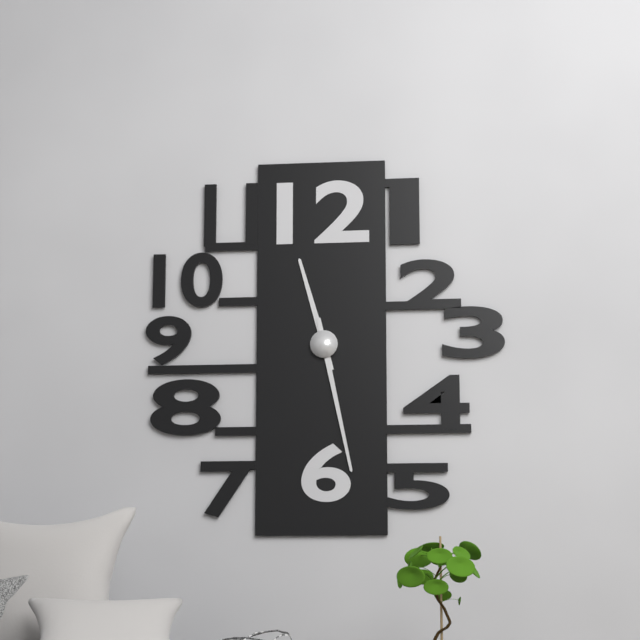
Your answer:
h=11 m=28
